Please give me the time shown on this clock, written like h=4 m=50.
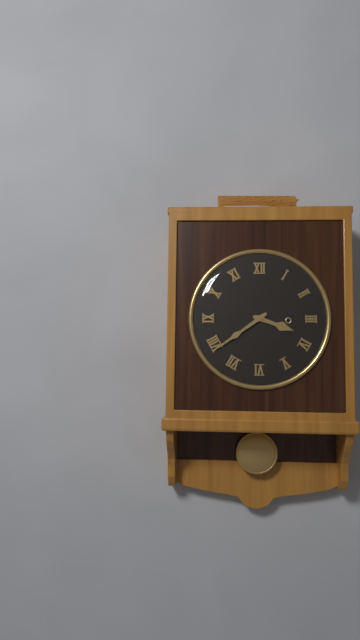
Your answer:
h=3 m=39
